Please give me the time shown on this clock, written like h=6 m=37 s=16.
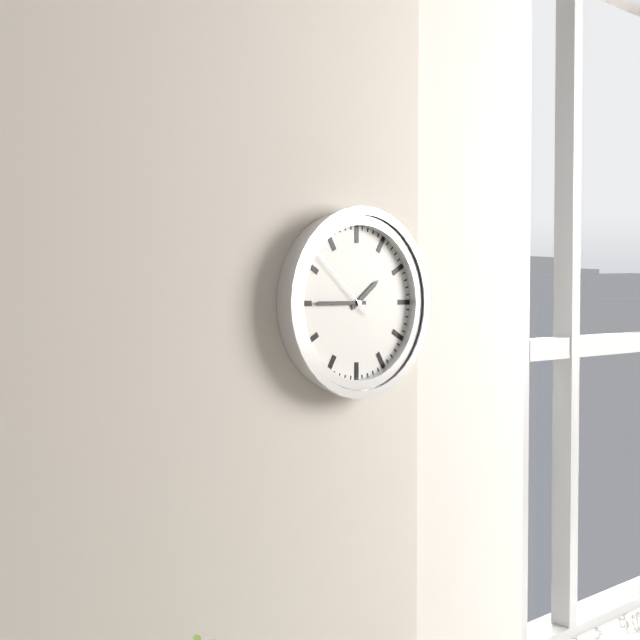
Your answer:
h=1 m=45 s=52
